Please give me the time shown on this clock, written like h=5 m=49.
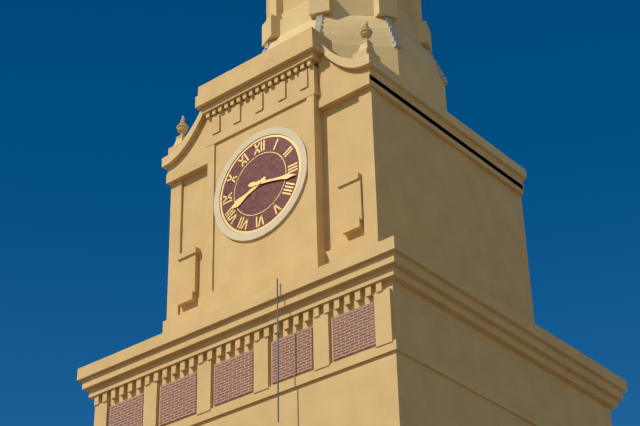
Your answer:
h=8 m=17
